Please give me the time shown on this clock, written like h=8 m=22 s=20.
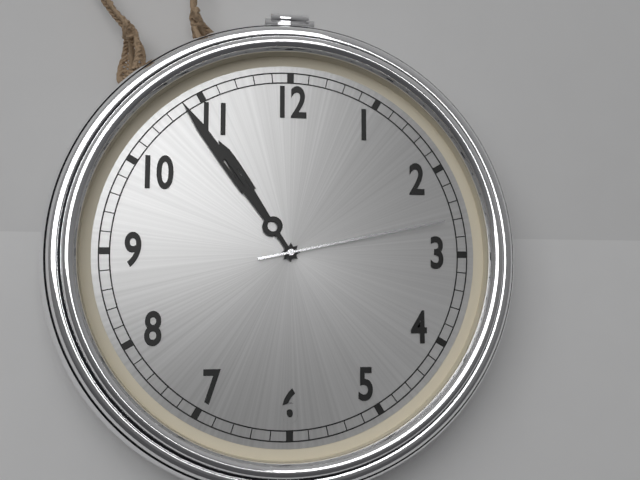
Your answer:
h=10 m=54 s=13
